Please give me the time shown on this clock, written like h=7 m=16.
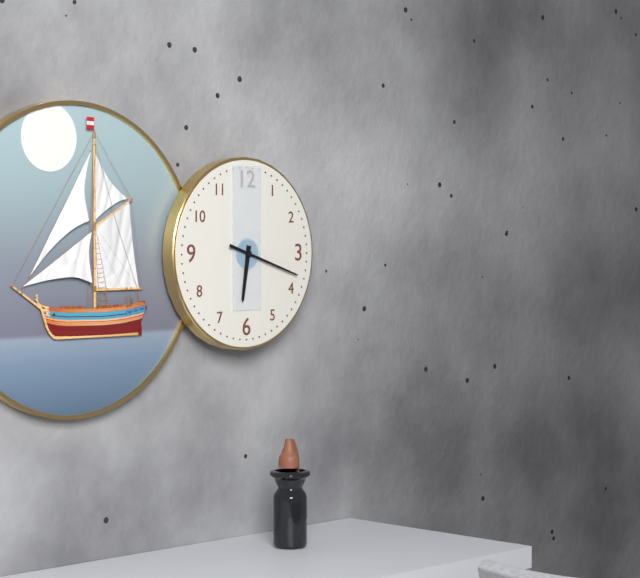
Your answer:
h=6 m=18
